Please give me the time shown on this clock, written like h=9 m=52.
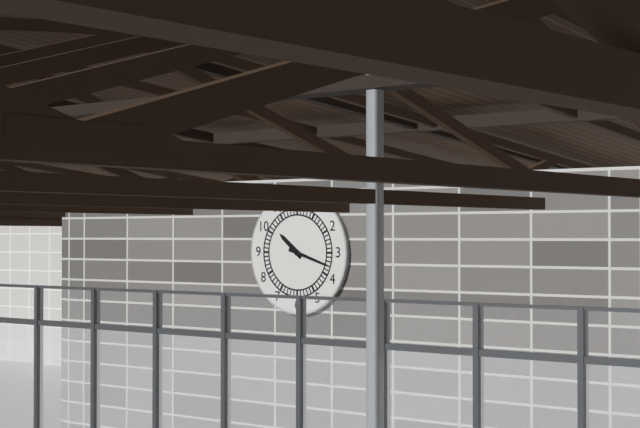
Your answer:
h=10 m=18
